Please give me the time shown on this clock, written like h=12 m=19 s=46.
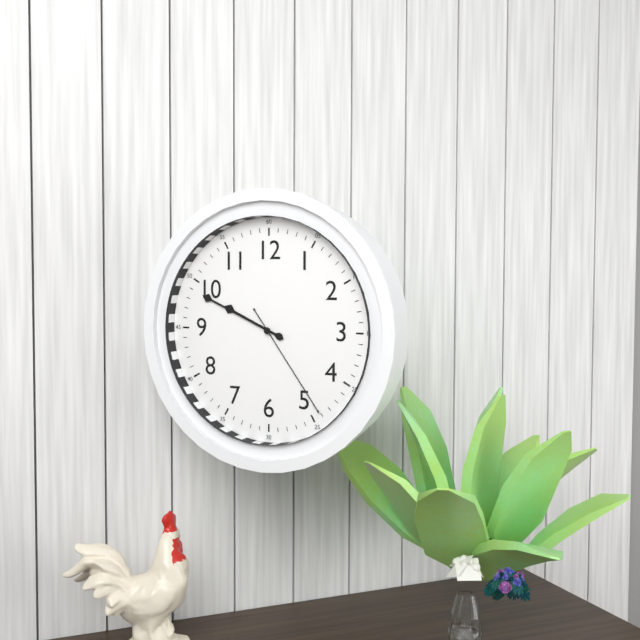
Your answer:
h=9 m=49 s=24
